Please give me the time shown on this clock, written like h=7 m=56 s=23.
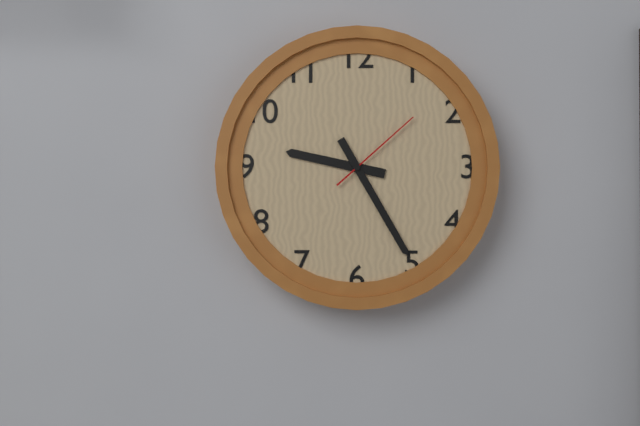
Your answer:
h=9 m=25 s=8
